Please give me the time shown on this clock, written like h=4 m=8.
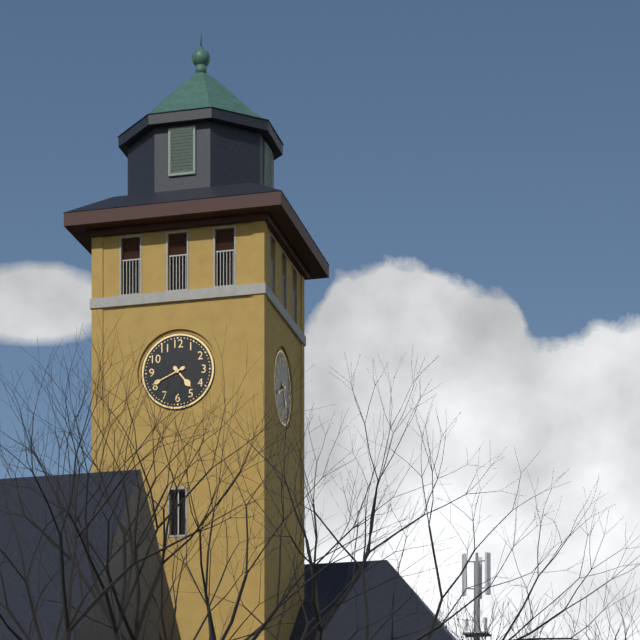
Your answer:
h=4 m=41
